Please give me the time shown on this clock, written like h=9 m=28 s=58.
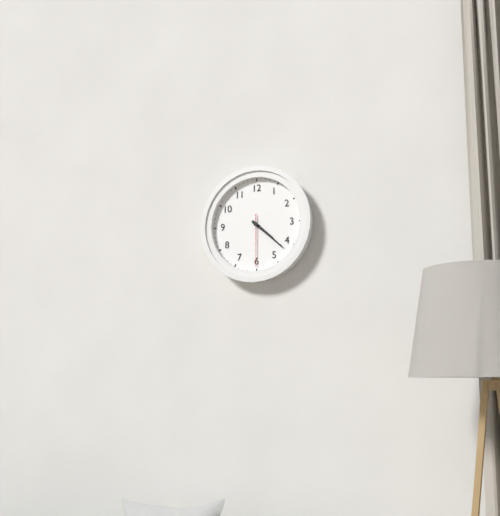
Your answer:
h=4 m=22 s=30
